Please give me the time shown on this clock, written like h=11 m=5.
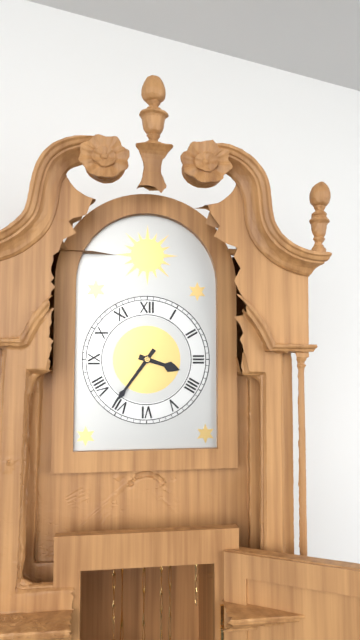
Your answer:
h=3 m=36
